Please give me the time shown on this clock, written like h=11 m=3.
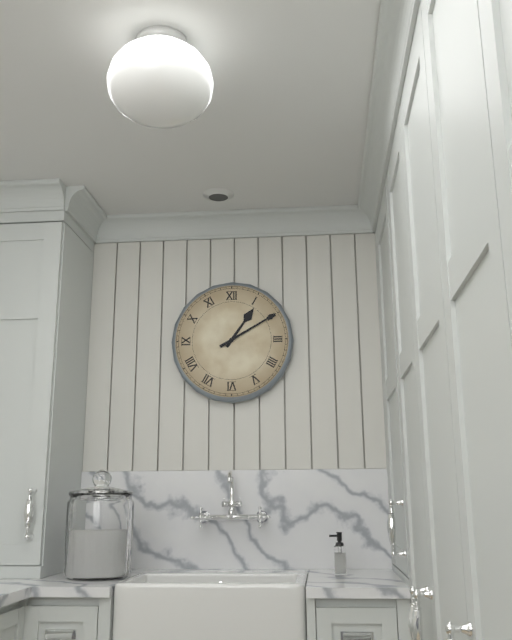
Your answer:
h=1 m=10
